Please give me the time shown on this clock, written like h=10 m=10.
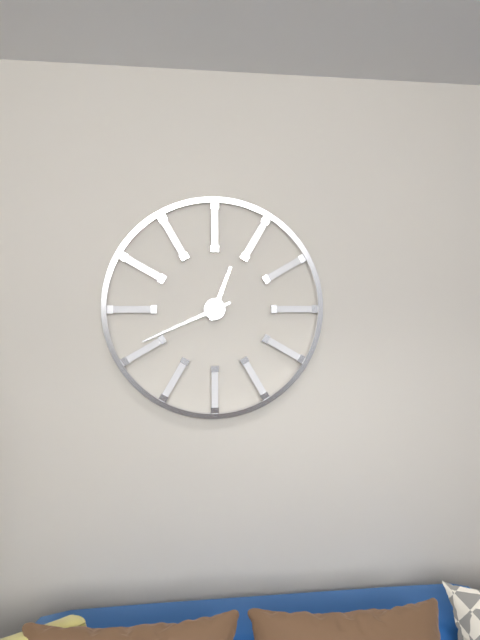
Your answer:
h=12 m=41
